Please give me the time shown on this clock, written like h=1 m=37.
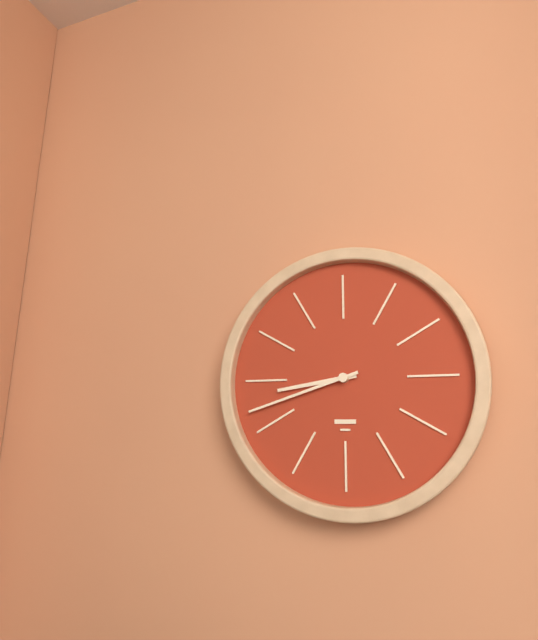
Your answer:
h=8 m=42
